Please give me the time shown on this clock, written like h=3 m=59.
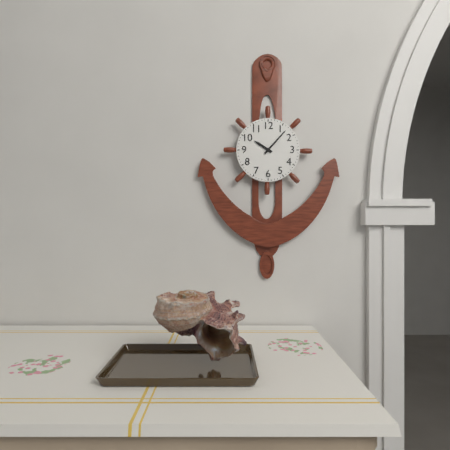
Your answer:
h=10 m=7
